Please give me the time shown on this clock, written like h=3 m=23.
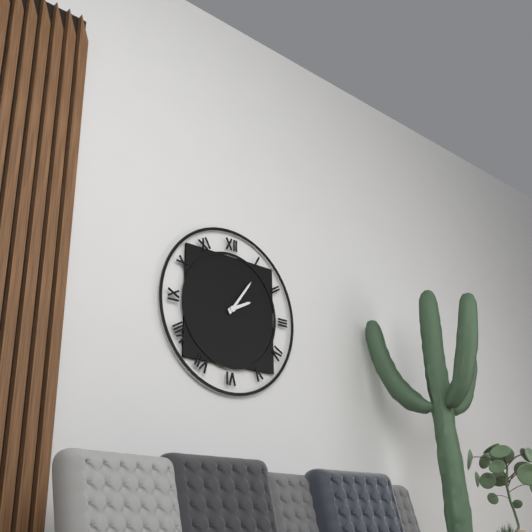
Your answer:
h=2 m=6
